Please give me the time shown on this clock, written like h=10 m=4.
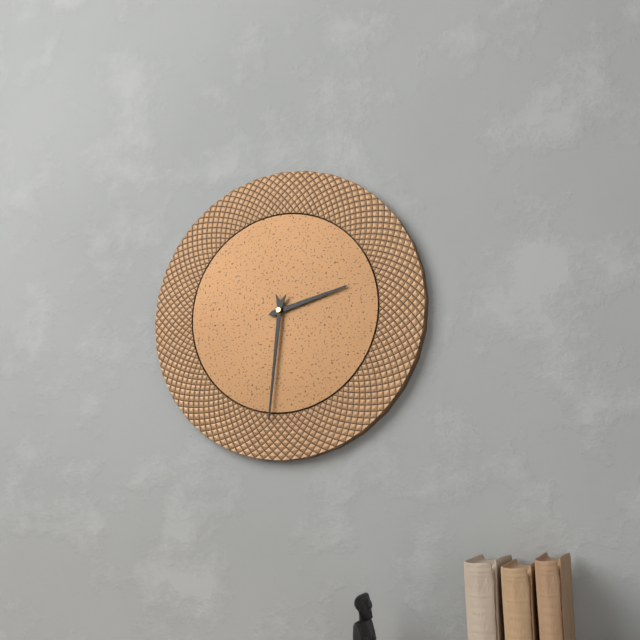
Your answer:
h=2 m=31
